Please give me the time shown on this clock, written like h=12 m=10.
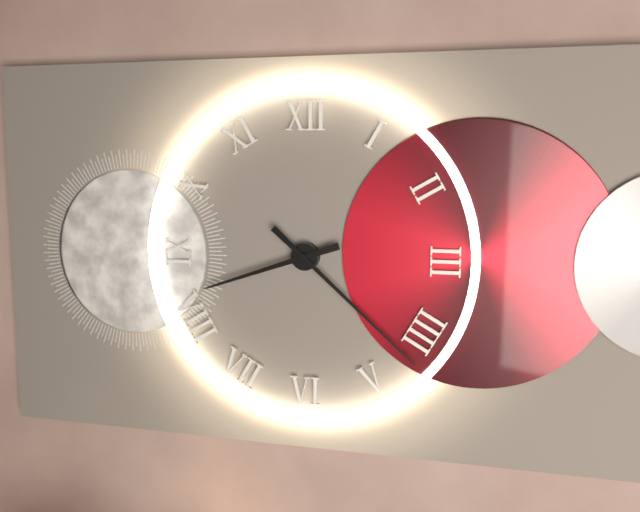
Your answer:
h=8 m=22
